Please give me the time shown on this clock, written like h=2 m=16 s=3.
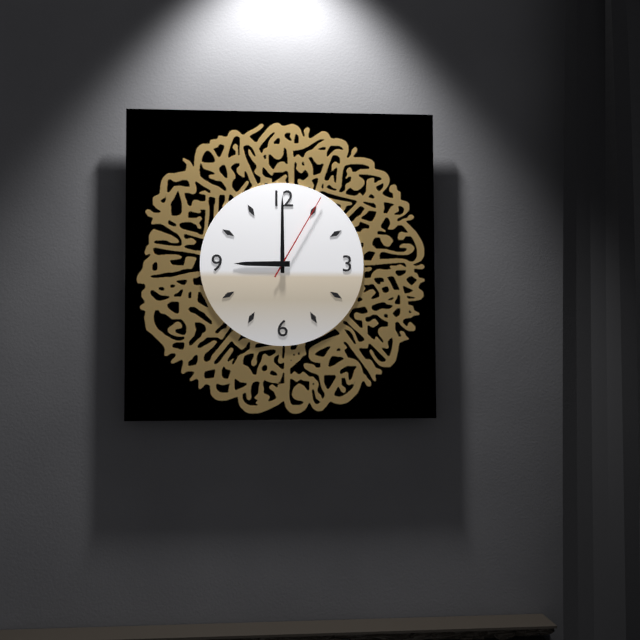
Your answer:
h=9 m=0 s=5
